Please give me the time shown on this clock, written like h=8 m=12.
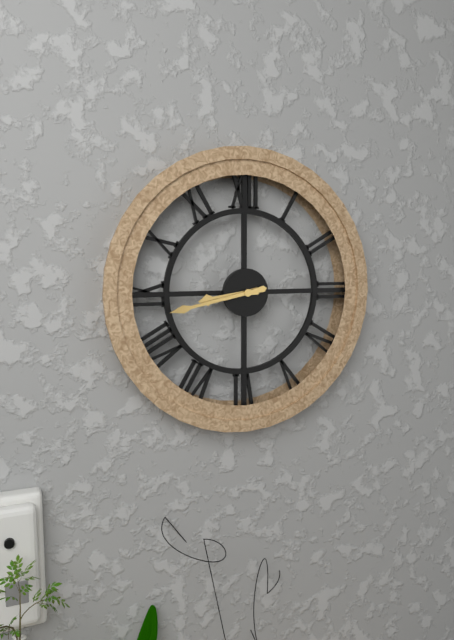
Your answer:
h=8 m=43
